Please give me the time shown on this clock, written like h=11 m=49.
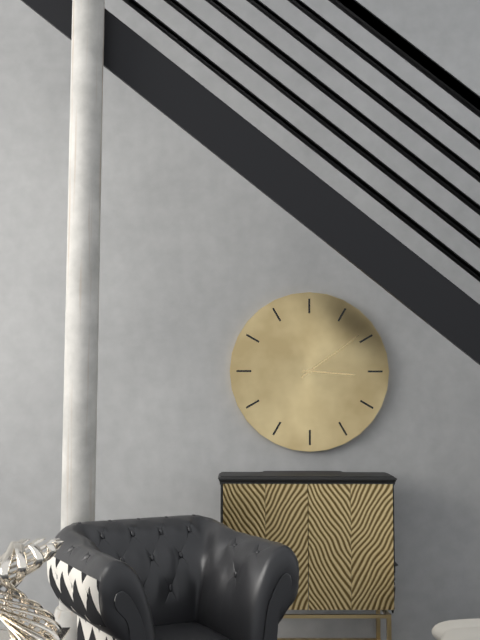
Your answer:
h=3 m=9
